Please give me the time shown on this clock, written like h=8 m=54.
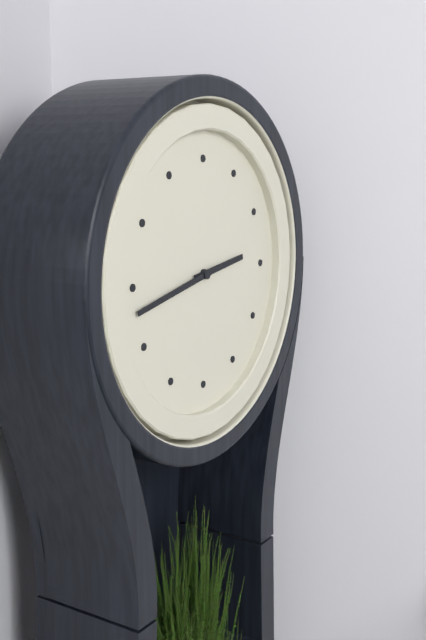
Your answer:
h=2 m=43
